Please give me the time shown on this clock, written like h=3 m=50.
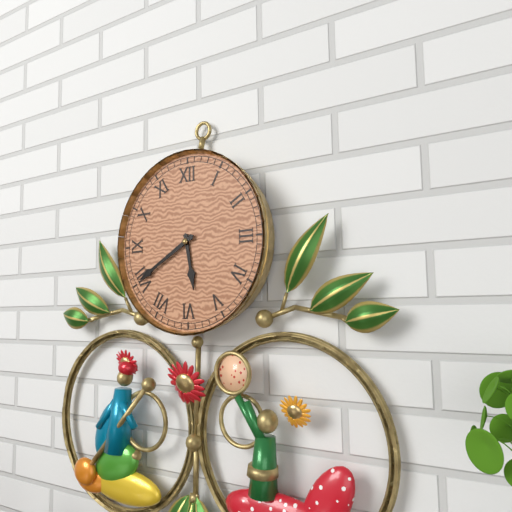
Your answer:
h=5 m=40
